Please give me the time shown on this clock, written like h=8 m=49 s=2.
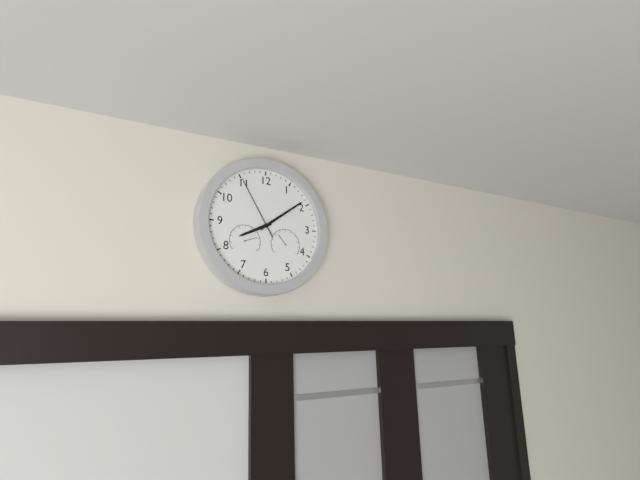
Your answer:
h=8 m=9 s=55
